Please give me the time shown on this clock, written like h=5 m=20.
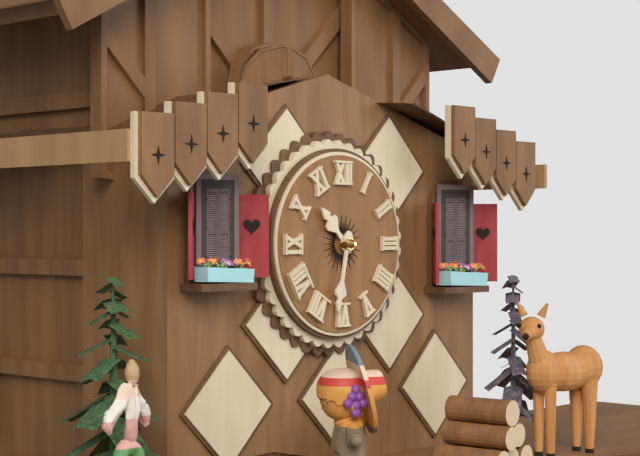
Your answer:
h=10 m=32
